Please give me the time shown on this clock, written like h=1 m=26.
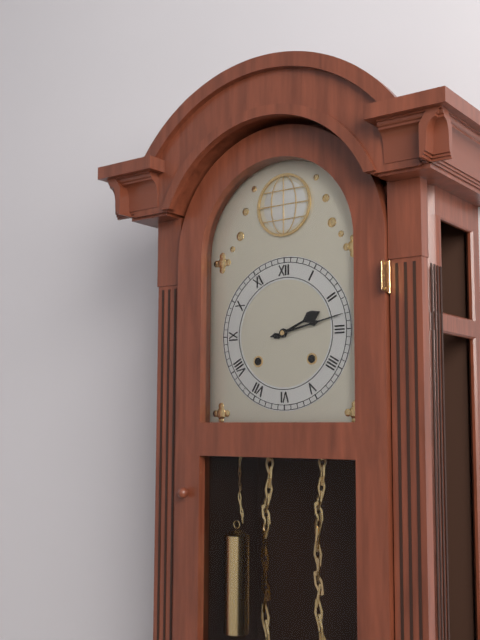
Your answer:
h=2 m=13
